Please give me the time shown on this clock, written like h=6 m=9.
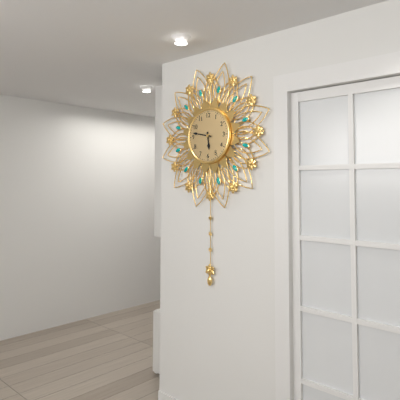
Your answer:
h=5 m=47
